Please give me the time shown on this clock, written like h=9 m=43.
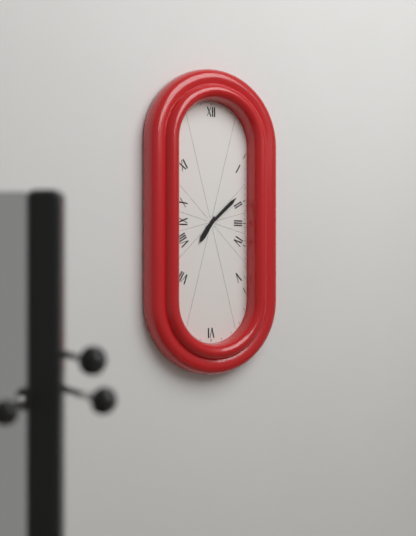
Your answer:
h=7 m=8
